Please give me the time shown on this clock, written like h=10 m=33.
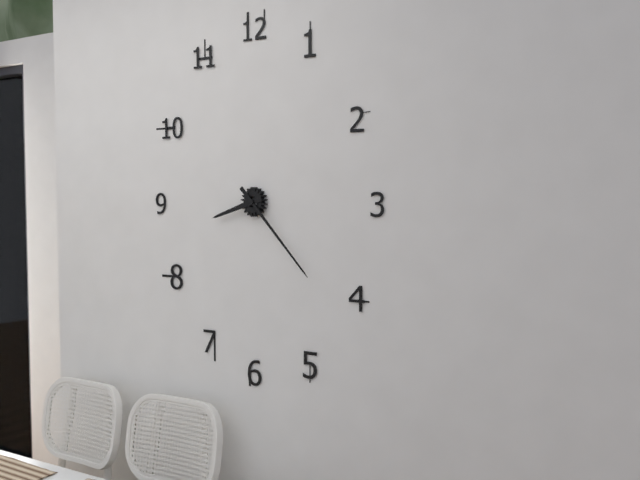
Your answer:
h=8 m=23
